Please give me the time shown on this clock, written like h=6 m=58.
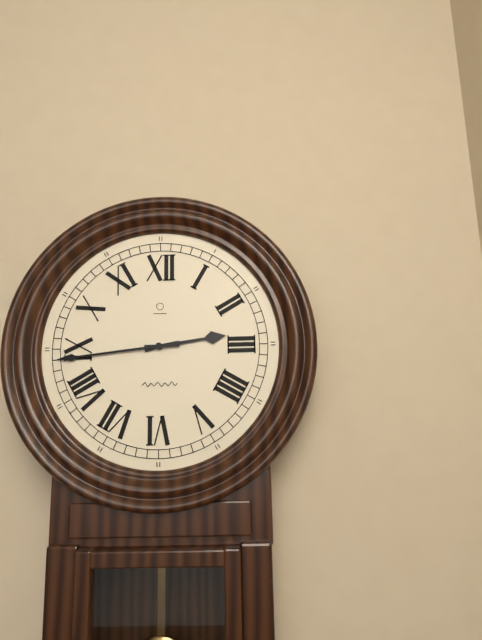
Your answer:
h=2 m=44
